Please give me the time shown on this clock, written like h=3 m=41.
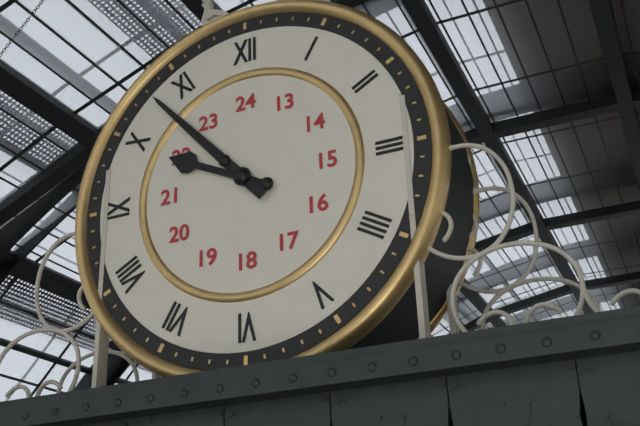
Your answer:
h=9 m=53
